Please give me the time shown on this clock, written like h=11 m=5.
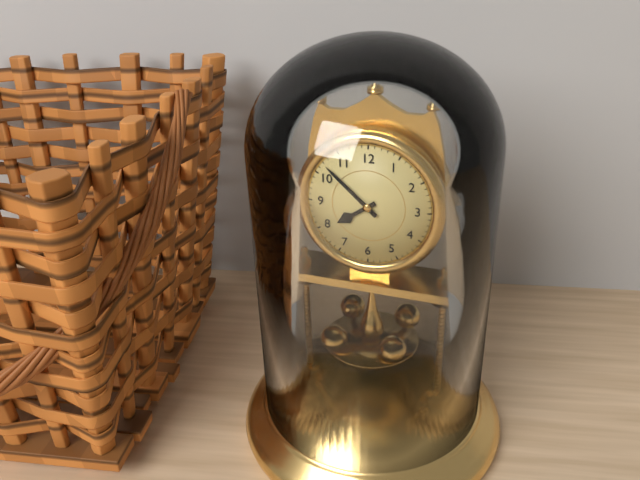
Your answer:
h=7 m=52
